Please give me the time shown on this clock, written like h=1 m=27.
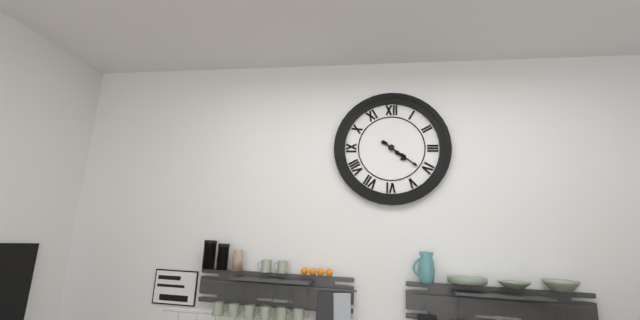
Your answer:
h=4 m=21
